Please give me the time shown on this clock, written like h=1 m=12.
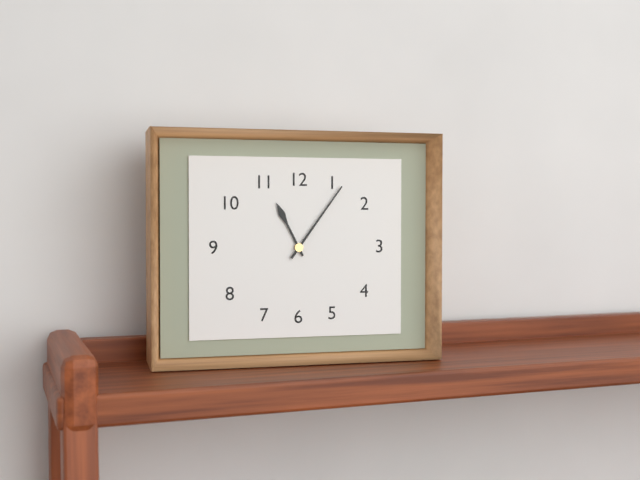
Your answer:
h=11 m=6
